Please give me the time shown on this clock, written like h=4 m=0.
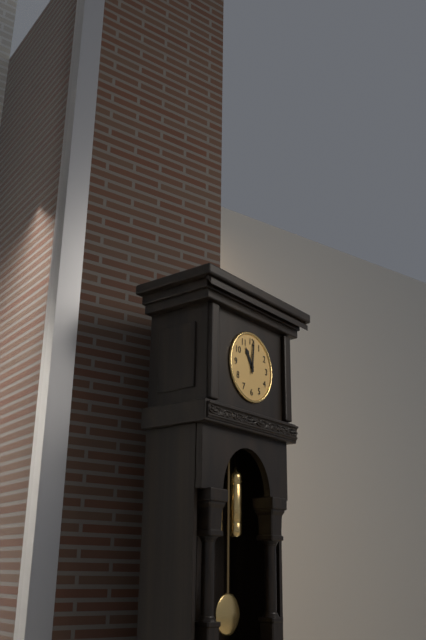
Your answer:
h=11 m=1
